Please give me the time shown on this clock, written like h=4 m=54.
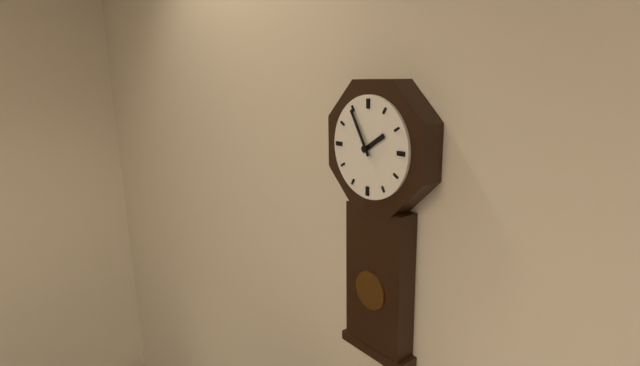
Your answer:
h=1 m=55
